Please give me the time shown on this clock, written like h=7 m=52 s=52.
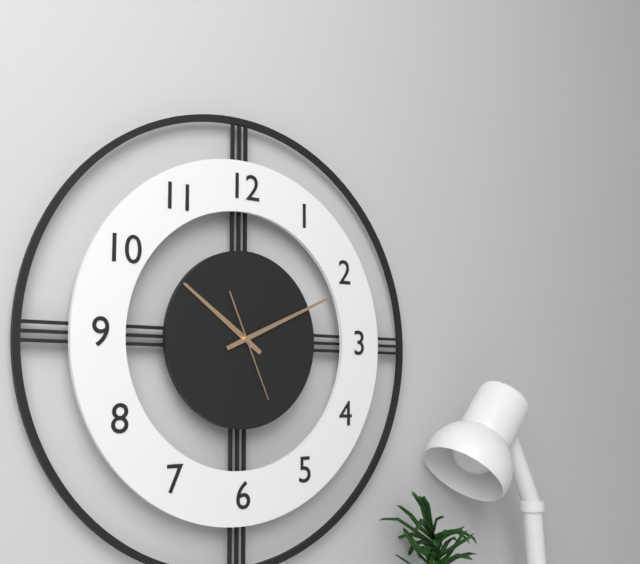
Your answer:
h=10 m=11 s=26
